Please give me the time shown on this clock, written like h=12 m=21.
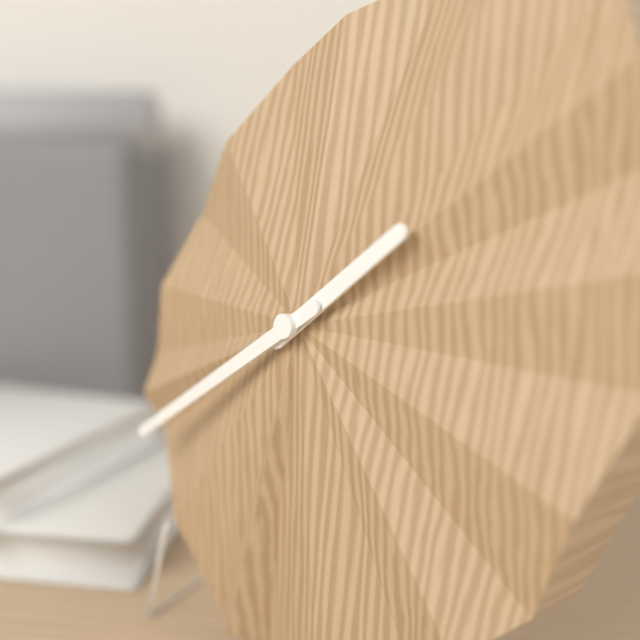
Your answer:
h=1 m=39
